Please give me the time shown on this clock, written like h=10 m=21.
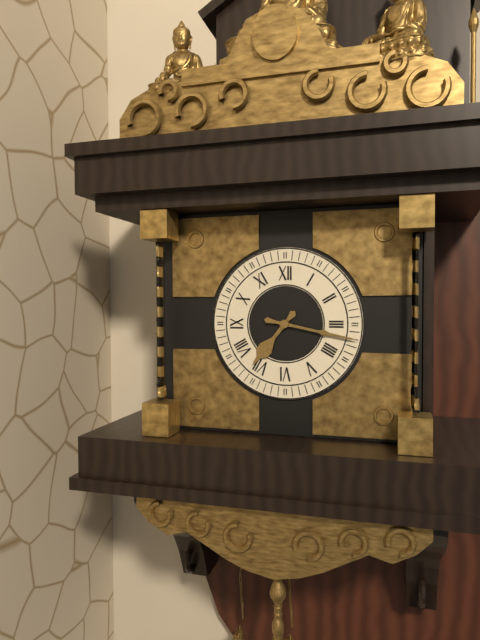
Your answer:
h=7 m=17
